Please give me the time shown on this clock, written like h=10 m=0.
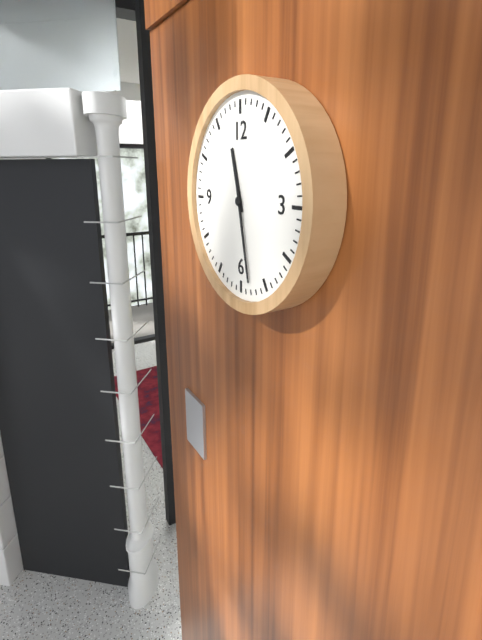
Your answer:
h=11 m=28
